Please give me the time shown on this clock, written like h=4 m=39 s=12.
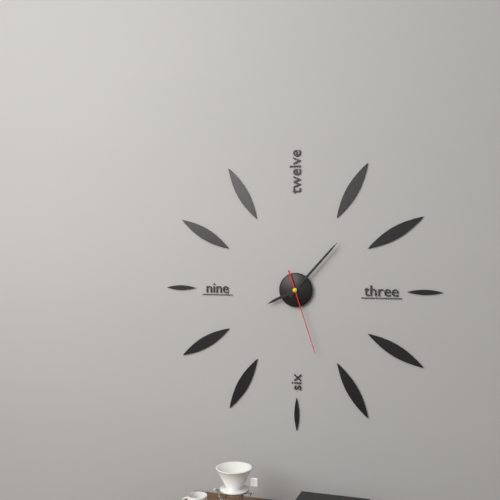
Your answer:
h=8 m=7 s=27
